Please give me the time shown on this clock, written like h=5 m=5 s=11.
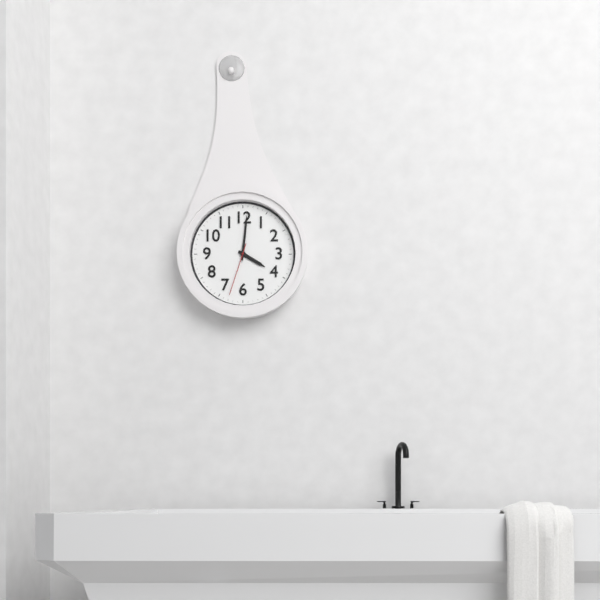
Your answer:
h=4 m=1 s=33
